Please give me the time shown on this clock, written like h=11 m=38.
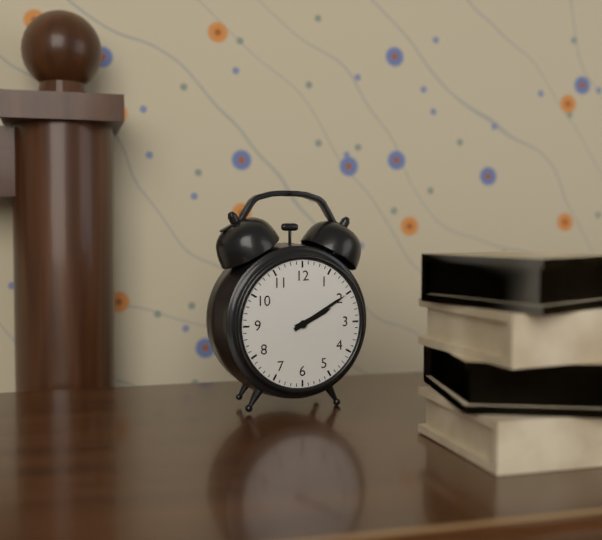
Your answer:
h=2 m=10
